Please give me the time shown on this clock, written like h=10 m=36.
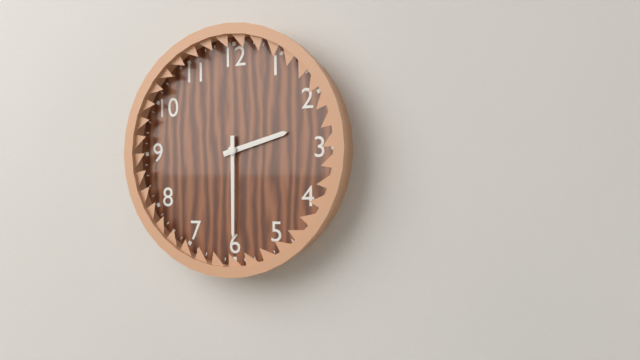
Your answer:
h=2 m=30
